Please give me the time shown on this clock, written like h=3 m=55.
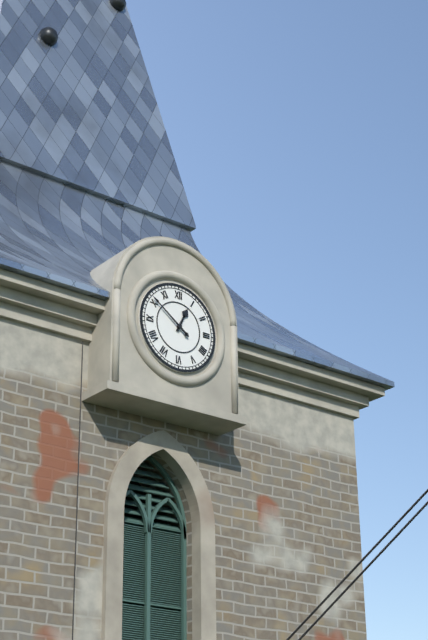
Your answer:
h=12 m=51
